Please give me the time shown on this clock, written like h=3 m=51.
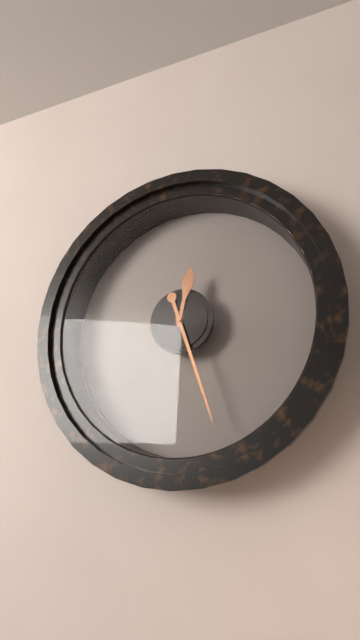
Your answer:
h=12 m=27
